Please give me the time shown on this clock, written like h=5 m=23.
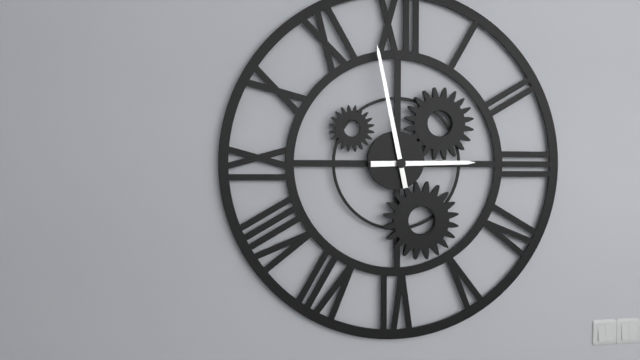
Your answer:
h=2 m=58
